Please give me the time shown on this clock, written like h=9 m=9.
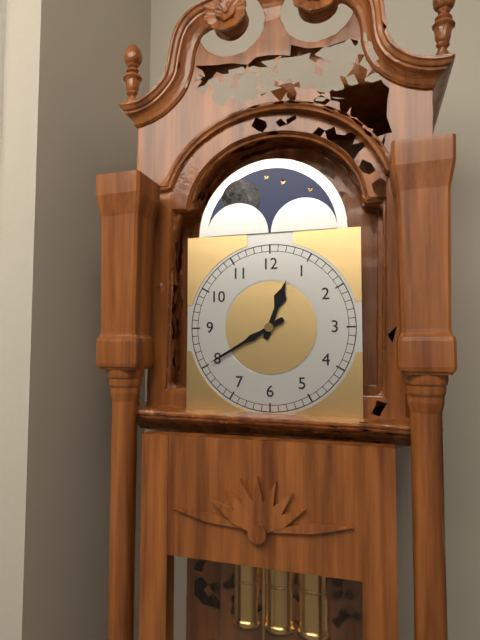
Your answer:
h=12 m=40
